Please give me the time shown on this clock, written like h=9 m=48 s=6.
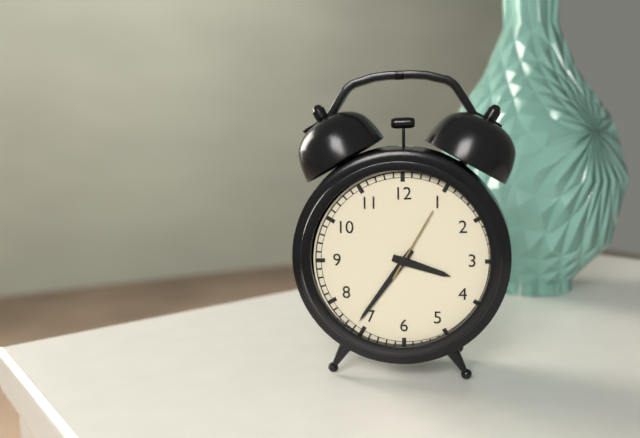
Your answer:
h=3 m=36 s=5
